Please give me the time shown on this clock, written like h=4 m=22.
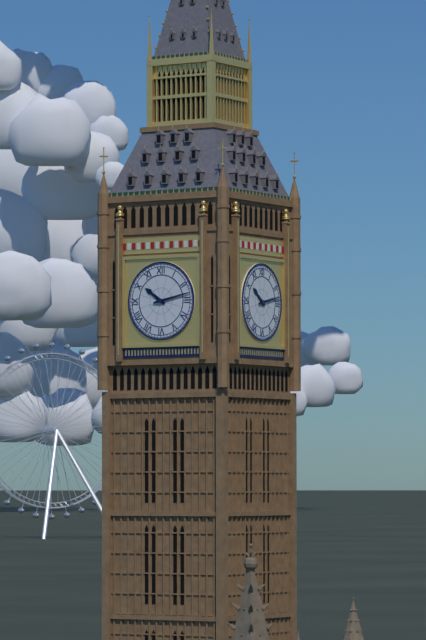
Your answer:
h=10 m=13
